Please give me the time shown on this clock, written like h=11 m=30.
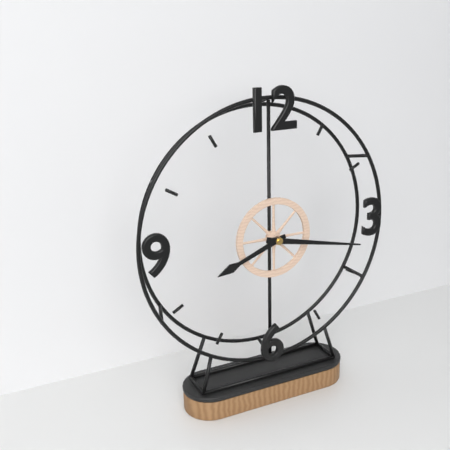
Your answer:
h=8 m=17
